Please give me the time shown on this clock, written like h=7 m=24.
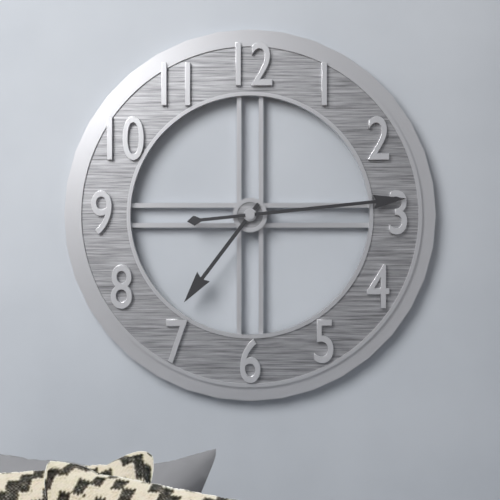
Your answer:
h=7 m=14
